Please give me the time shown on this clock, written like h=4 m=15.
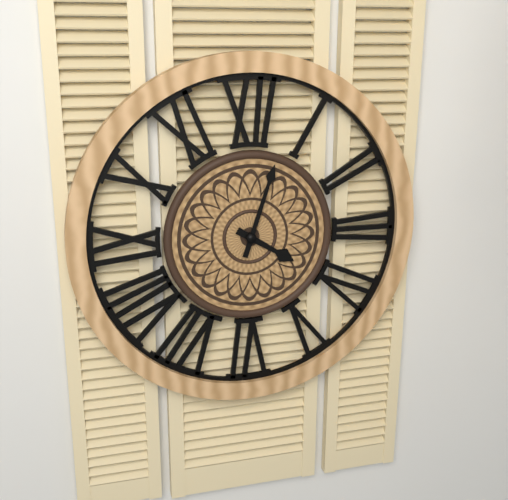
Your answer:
h=4 m=3
